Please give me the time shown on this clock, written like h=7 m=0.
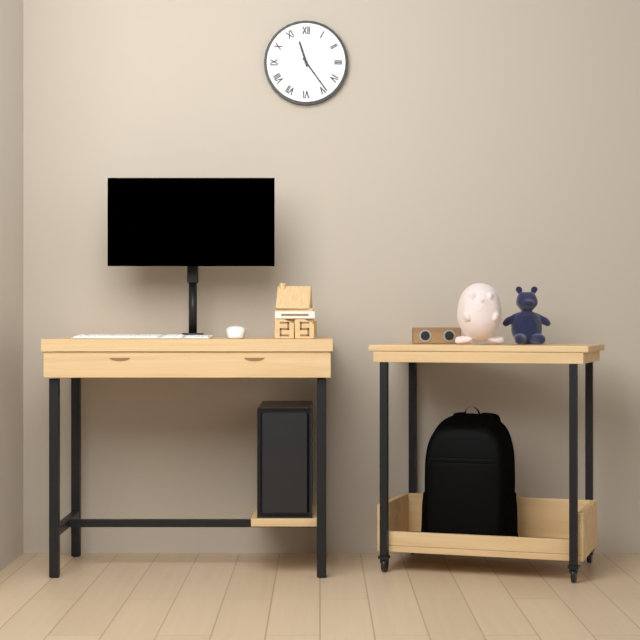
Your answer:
h=11 m=24
